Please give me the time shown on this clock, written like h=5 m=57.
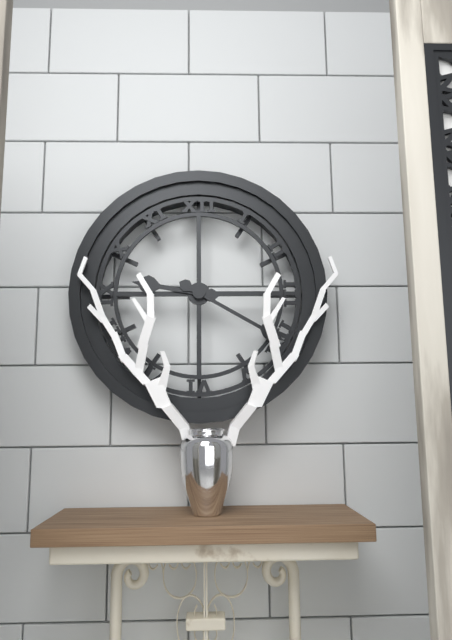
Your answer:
h=9 m=20
